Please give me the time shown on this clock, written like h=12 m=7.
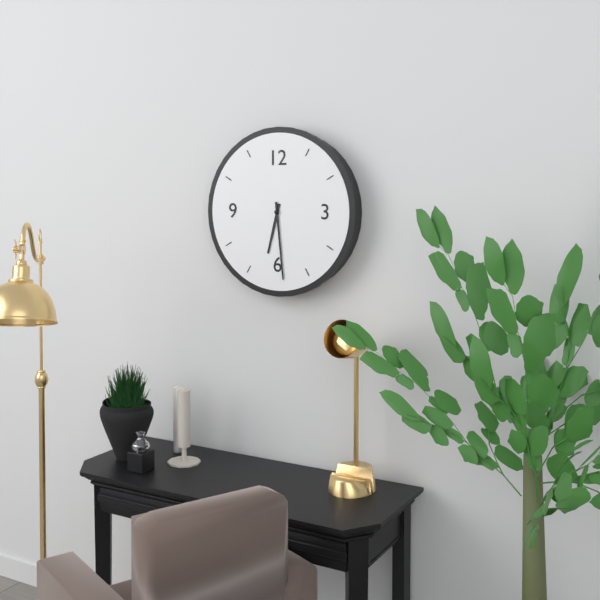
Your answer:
h=6 m=29
